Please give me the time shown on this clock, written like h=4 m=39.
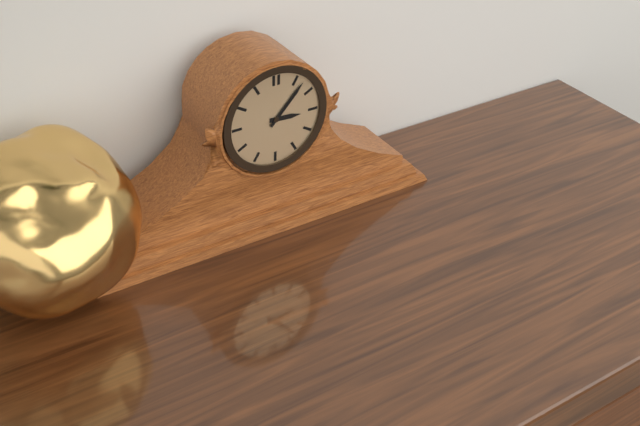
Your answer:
h=3 m=7
